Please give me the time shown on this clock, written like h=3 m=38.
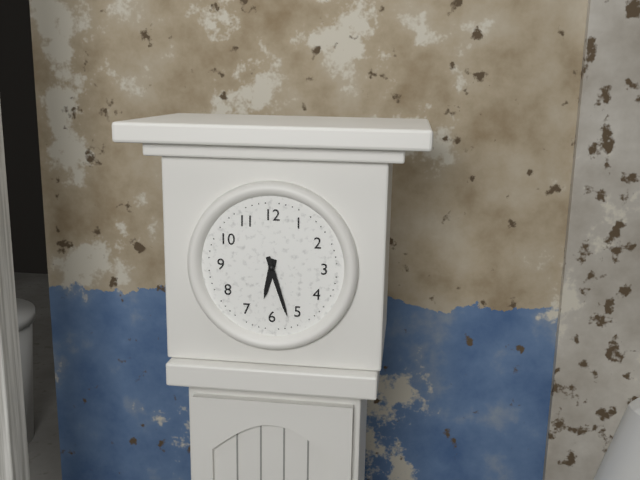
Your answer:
h=6 m=27
